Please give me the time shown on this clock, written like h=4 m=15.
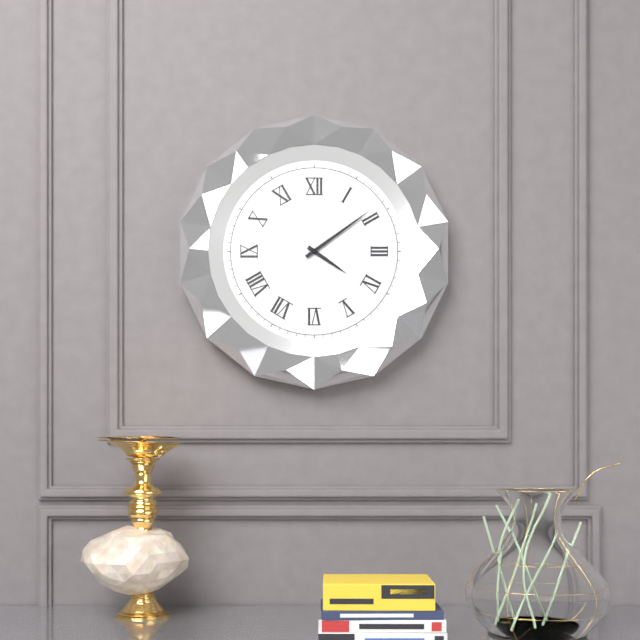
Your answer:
h=4 m=9
